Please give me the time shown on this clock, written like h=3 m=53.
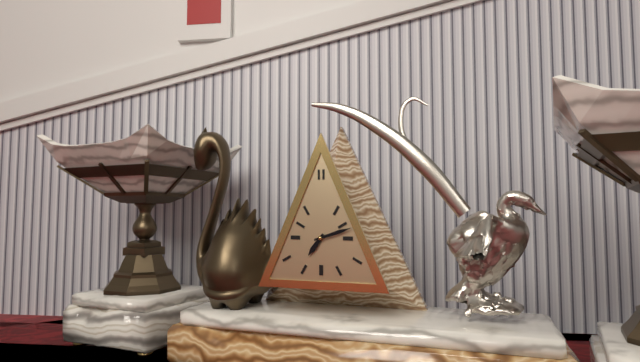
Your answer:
h=7 m=12
